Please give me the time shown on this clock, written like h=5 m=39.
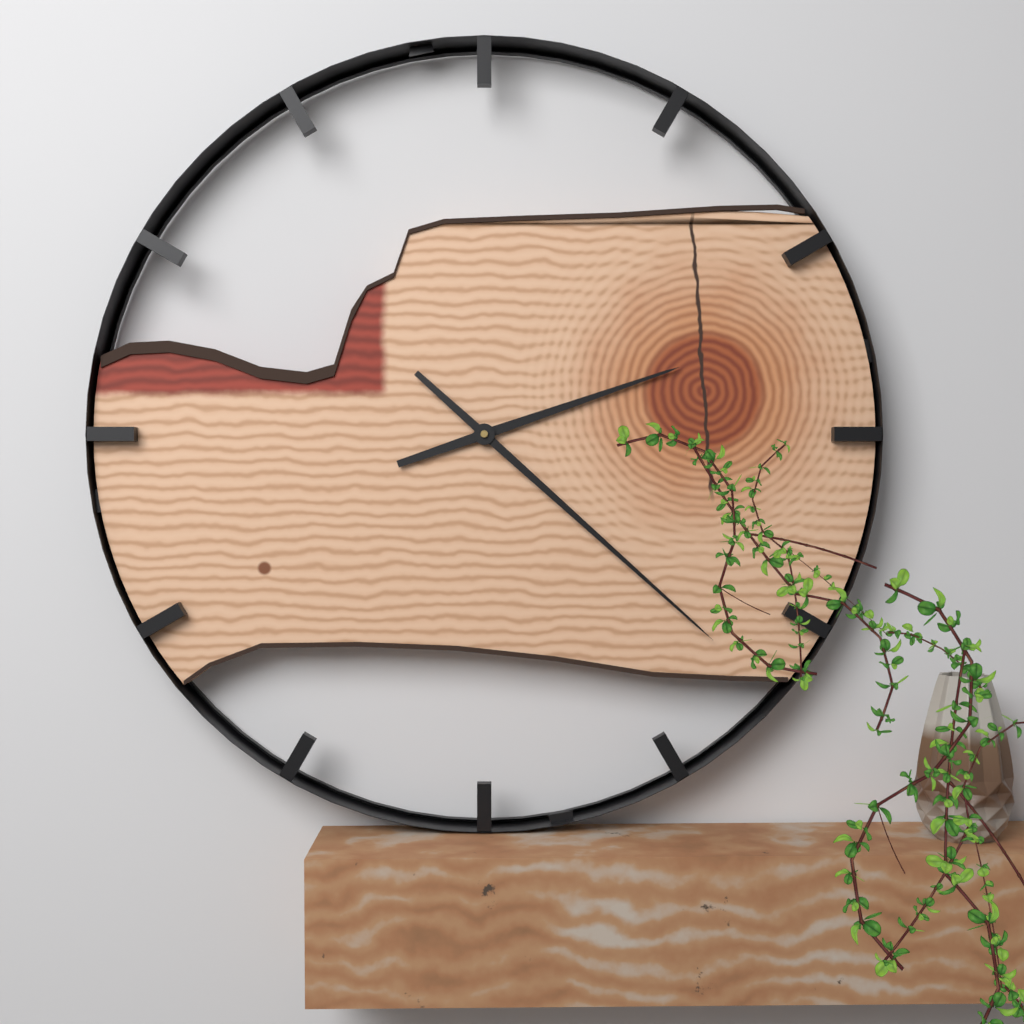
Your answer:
h=2 m=22
